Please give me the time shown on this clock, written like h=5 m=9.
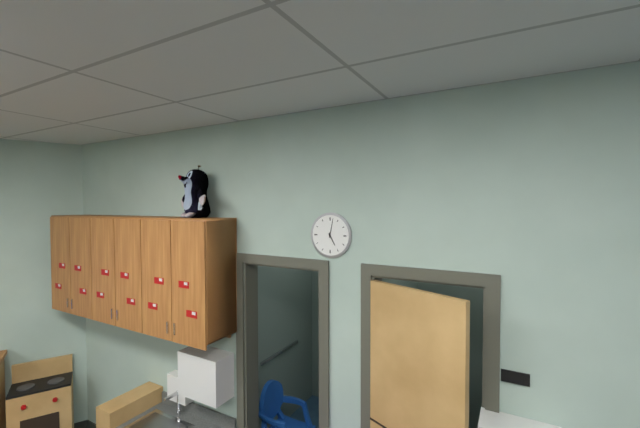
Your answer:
h=5 m=2
